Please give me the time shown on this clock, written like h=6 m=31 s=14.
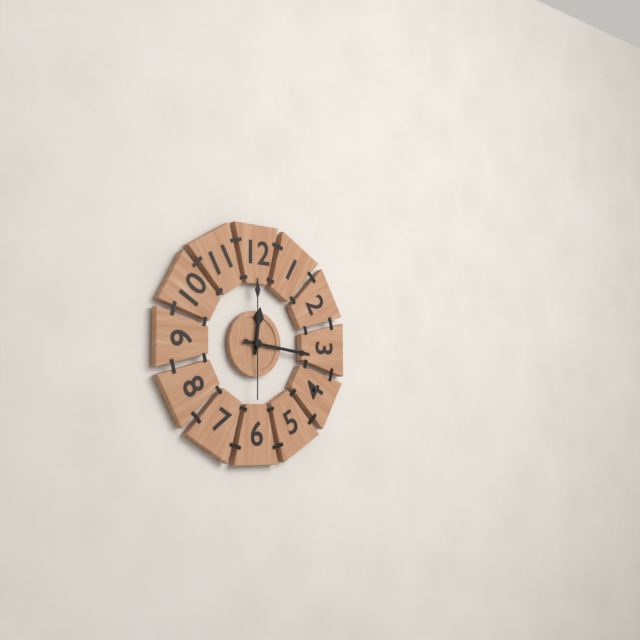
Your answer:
h=12 m=16 s=0
